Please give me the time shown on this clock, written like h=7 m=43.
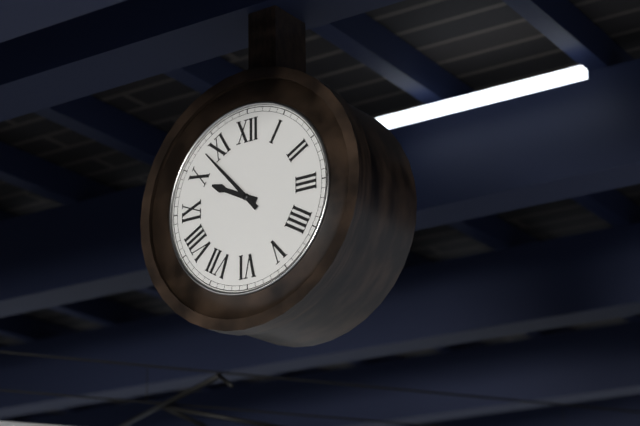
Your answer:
h=9 m=53
